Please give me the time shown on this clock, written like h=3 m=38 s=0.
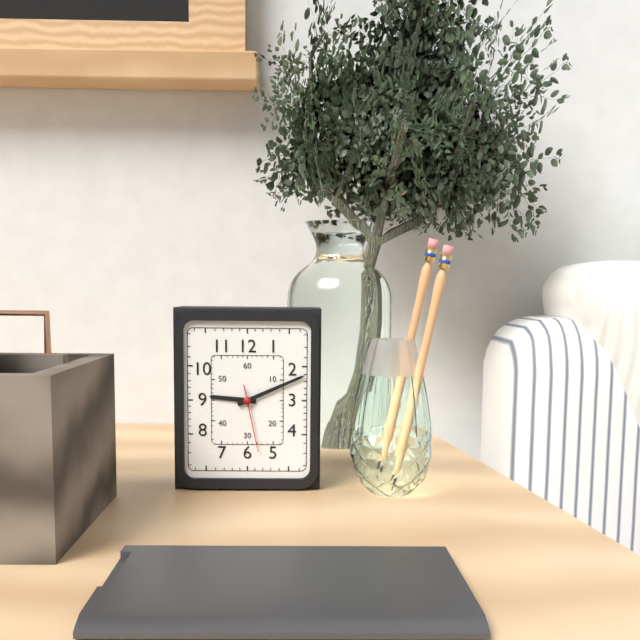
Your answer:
h=9 m=11 s=28
